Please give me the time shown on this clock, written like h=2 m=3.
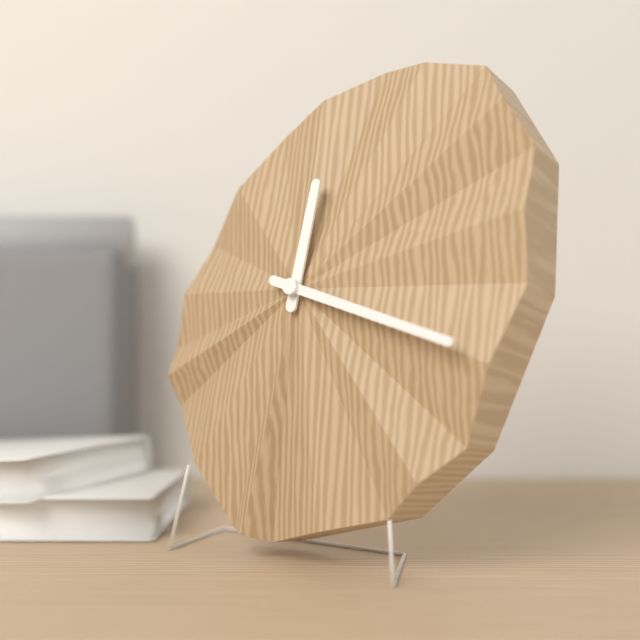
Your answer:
h=12 m=18
